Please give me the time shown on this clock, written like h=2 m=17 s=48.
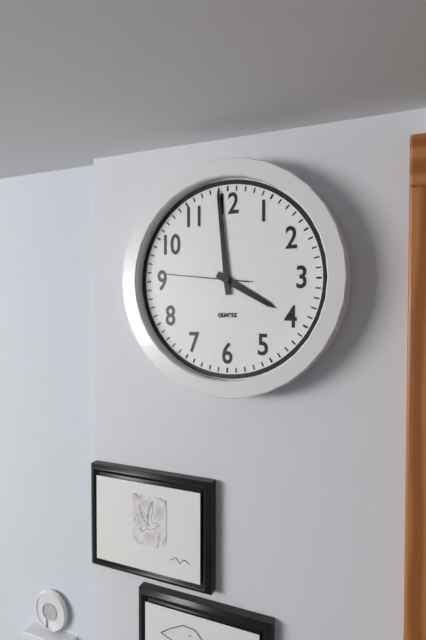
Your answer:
h=3 m=59 s=46
